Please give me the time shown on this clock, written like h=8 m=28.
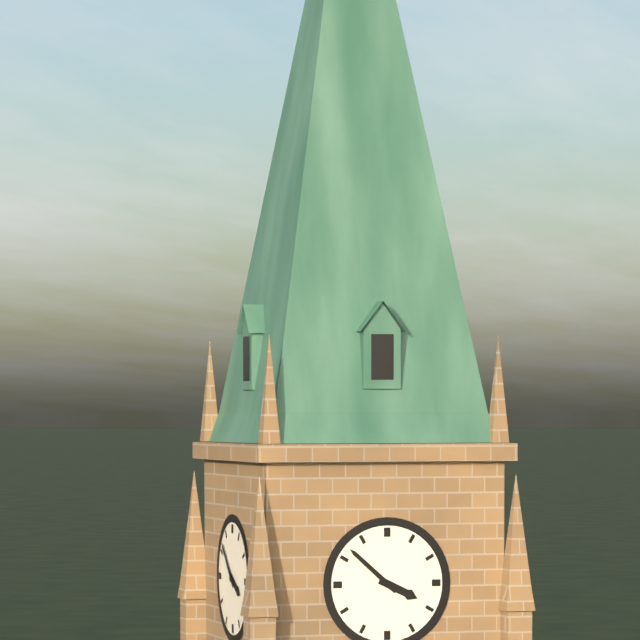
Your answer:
h=3 m=52
